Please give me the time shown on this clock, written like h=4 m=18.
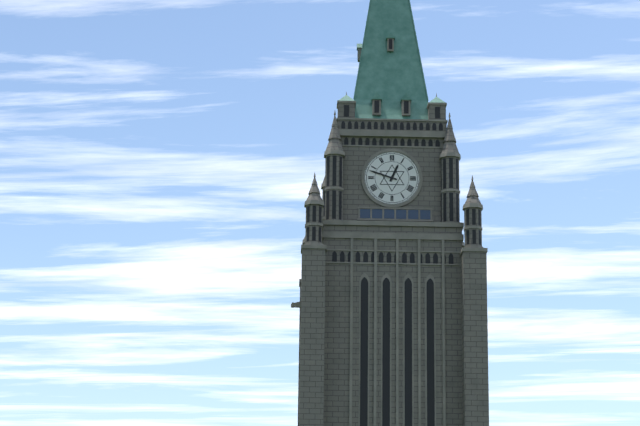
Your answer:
h=12 m=48
